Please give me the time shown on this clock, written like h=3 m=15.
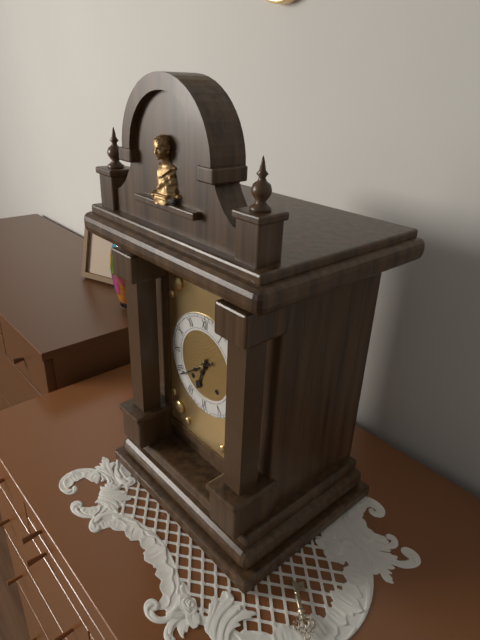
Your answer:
h=6 m=39
